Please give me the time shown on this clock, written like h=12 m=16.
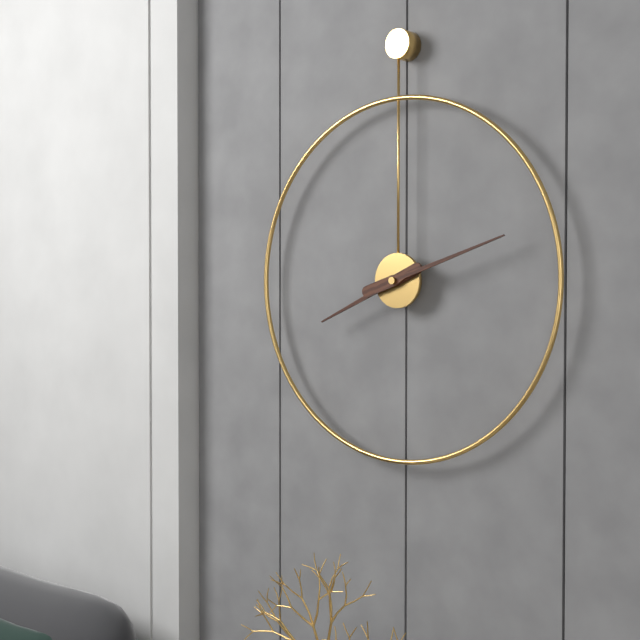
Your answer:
h=8 m=12
